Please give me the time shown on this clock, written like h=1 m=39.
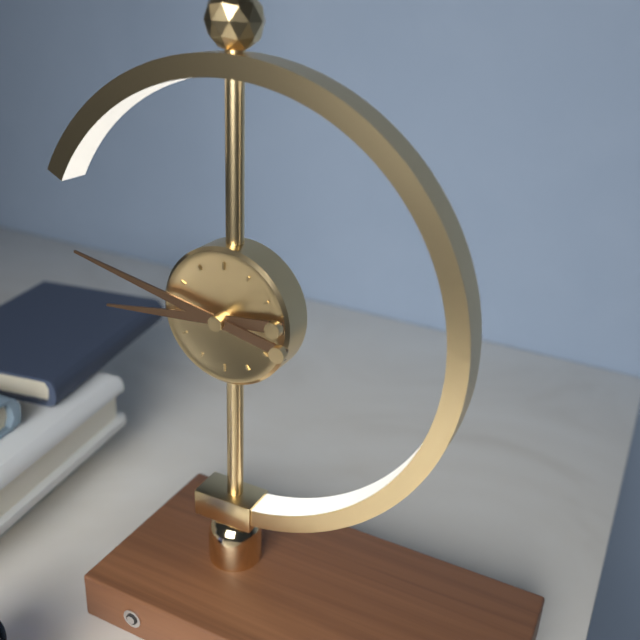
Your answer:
h=8 m=47
